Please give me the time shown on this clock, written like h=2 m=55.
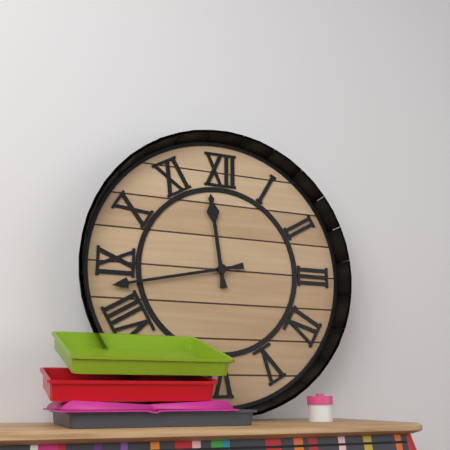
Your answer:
h=11 m=43
